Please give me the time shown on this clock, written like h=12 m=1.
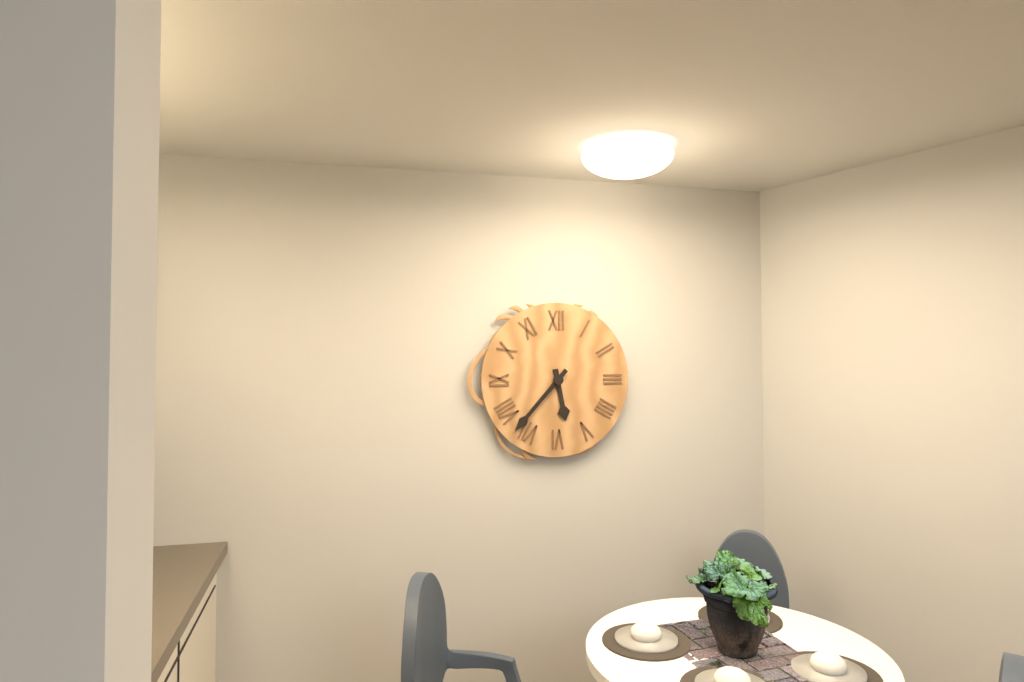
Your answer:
h=5 m=37
